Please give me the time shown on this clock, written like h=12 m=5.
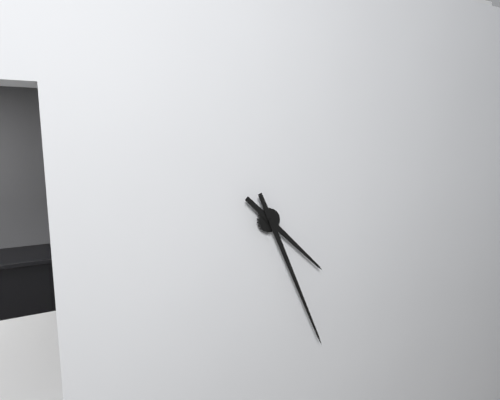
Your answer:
h=4 m=26
